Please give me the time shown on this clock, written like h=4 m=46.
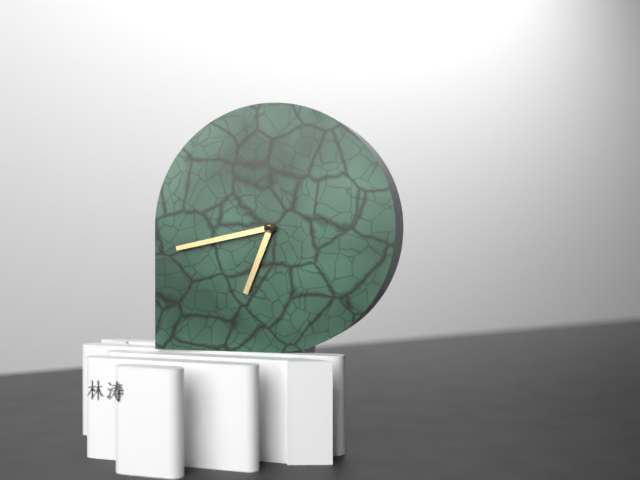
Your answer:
h=6 m=43
